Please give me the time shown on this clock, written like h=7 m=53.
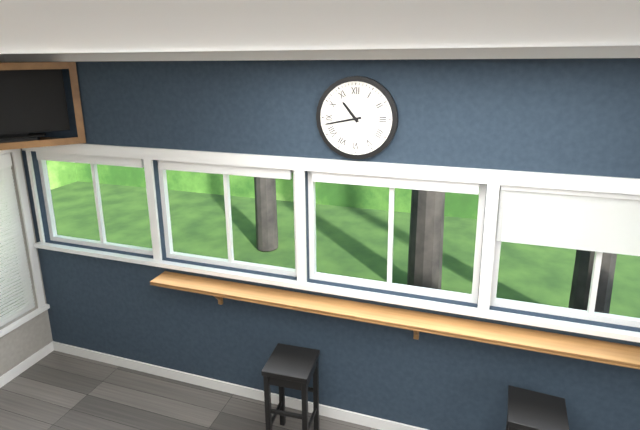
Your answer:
h=10 m=43
